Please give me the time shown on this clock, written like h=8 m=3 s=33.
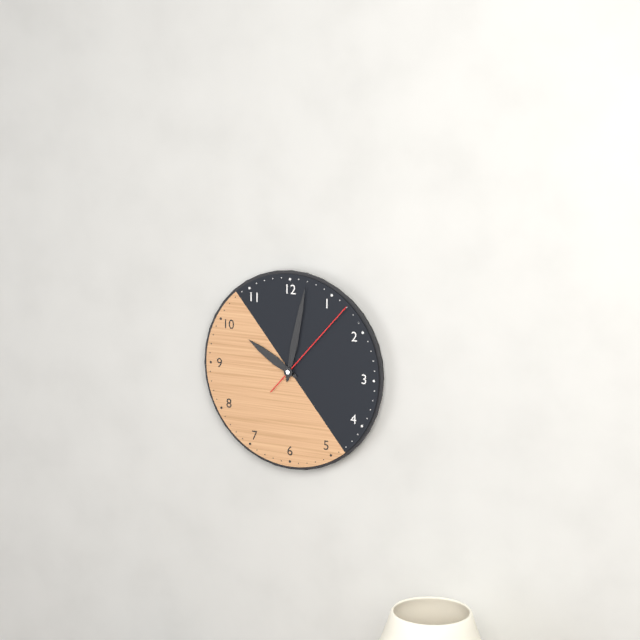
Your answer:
h=10 m=2 s=7
